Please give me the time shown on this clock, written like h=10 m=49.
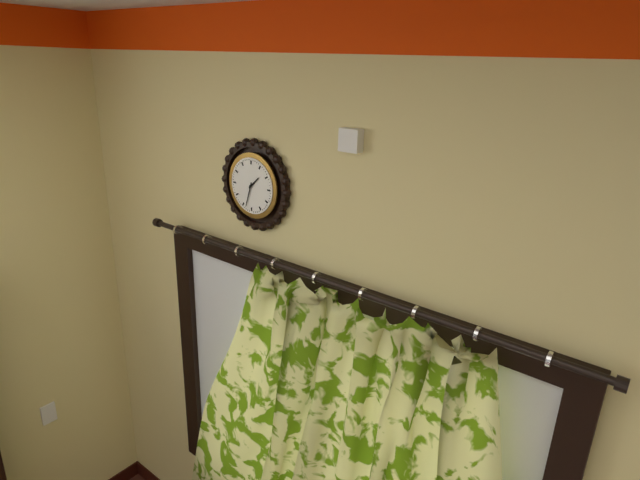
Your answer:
h=1 m=33
